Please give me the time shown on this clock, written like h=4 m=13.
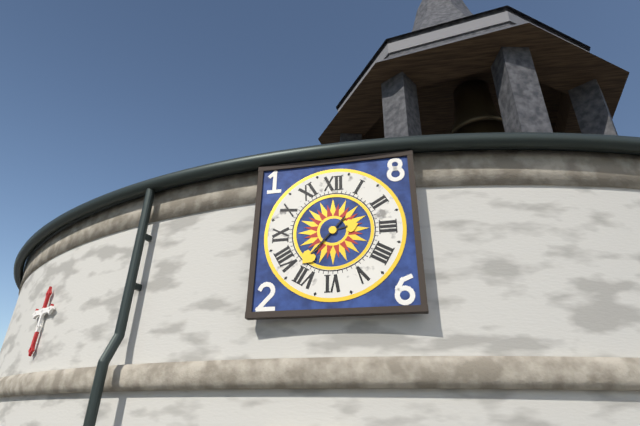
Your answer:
h=2 m=37
